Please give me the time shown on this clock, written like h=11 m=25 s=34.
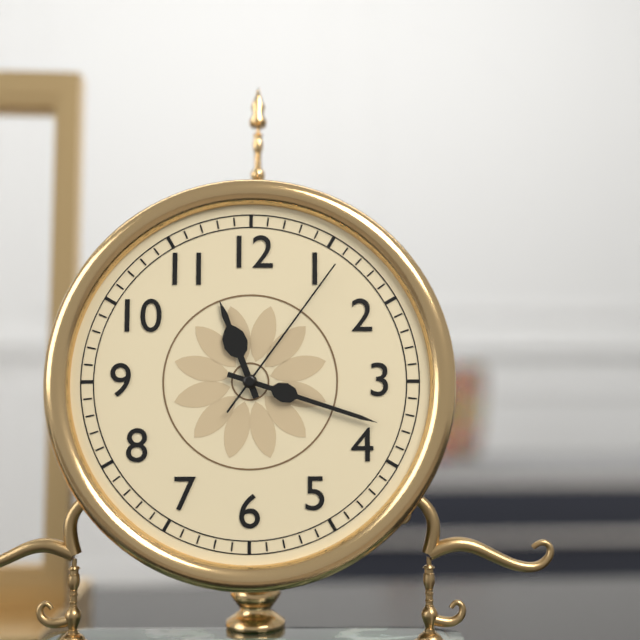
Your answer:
h=11 m=18 s=6
